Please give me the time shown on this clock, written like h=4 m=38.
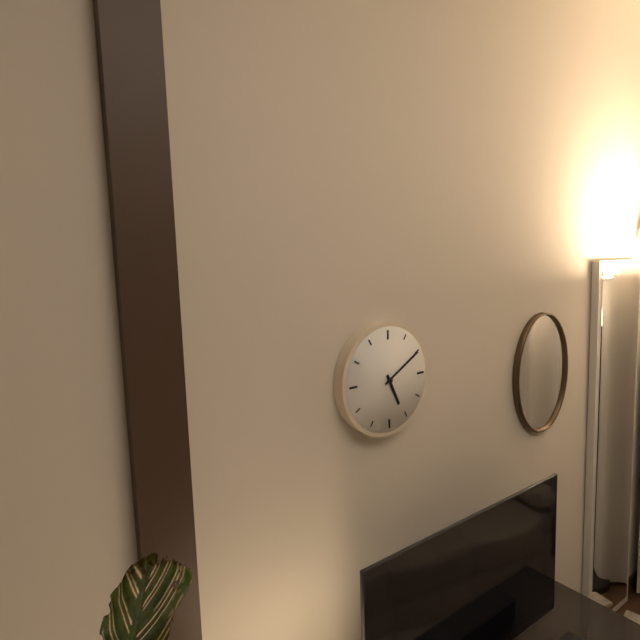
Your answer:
h=5 m=10
